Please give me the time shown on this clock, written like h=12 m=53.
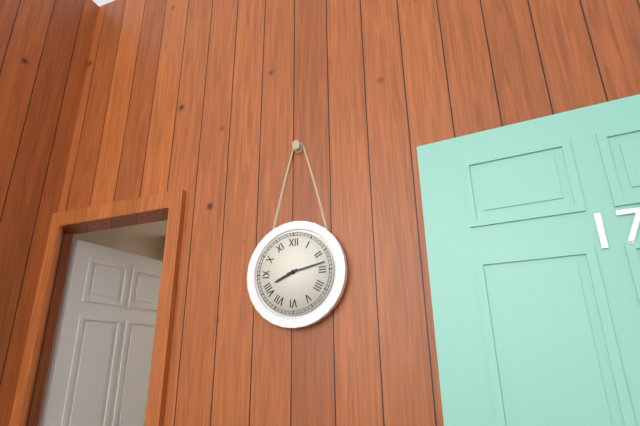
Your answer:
h=8 m=13
